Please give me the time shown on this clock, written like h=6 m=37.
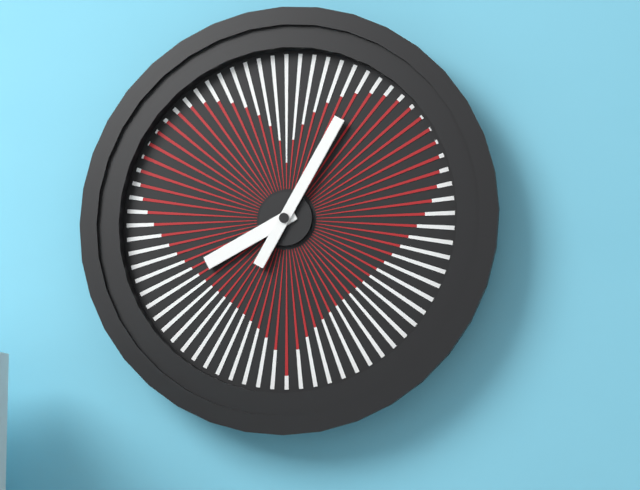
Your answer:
h=8 m=5
